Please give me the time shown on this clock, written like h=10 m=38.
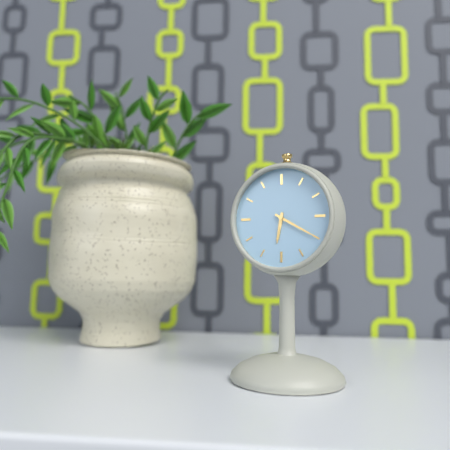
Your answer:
h=6 m=20
